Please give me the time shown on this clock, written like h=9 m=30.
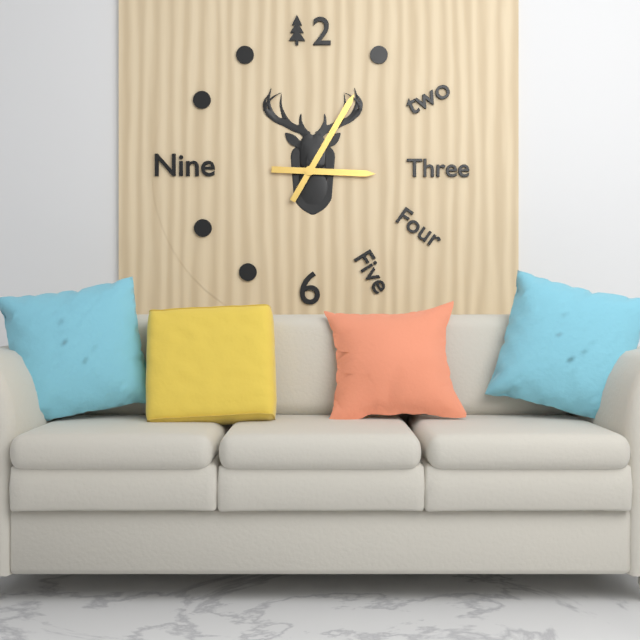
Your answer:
h=3 m=5
